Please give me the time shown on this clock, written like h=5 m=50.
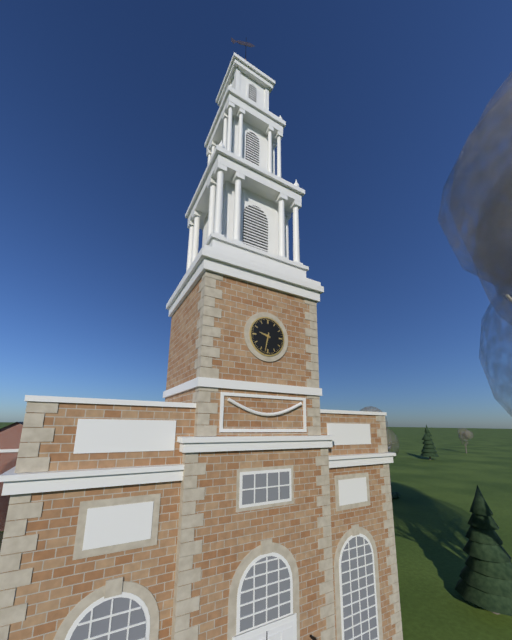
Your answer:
h=9 m=32
